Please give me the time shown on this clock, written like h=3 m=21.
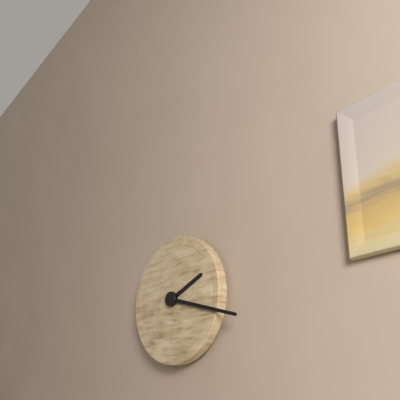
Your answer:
h=2 m=18
